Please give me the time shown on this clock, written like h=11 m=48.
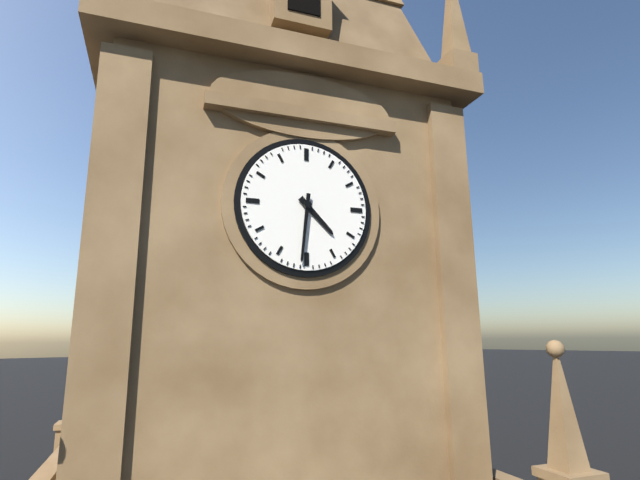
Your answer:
h=4 m=31
